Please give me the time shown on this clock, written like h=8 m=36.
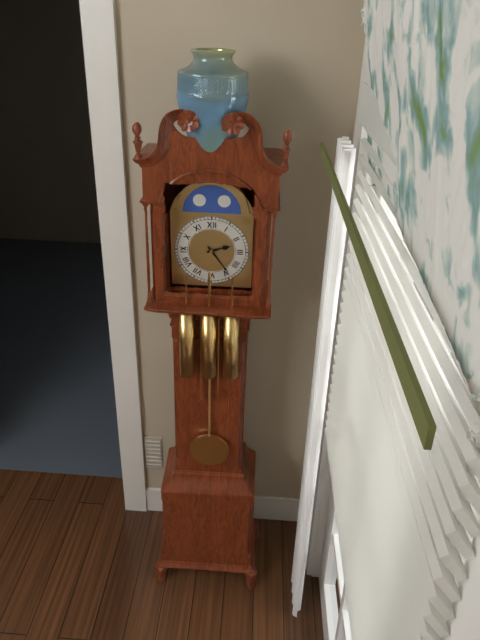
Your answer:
h=2 m=24
